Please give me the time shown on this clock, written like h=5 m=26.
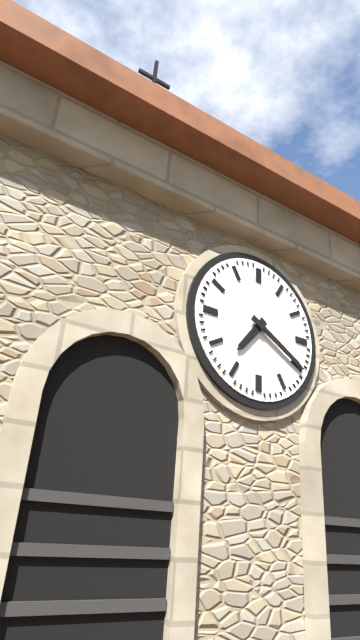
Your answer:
h=7 m=20
